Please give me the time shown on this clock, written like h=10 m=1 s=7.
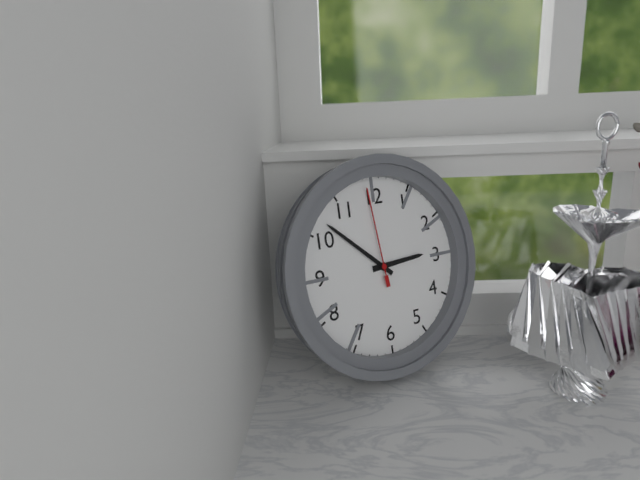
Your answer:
h=2 m=52 s=59
